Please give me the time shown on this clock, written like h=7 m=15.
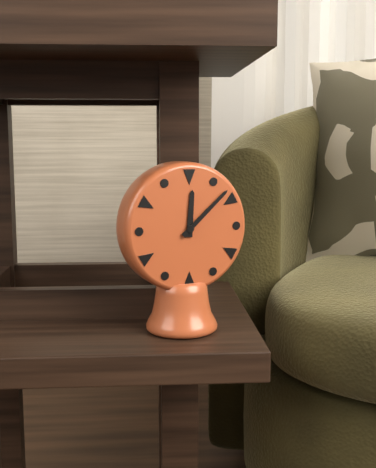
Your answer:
h=12 m=8
